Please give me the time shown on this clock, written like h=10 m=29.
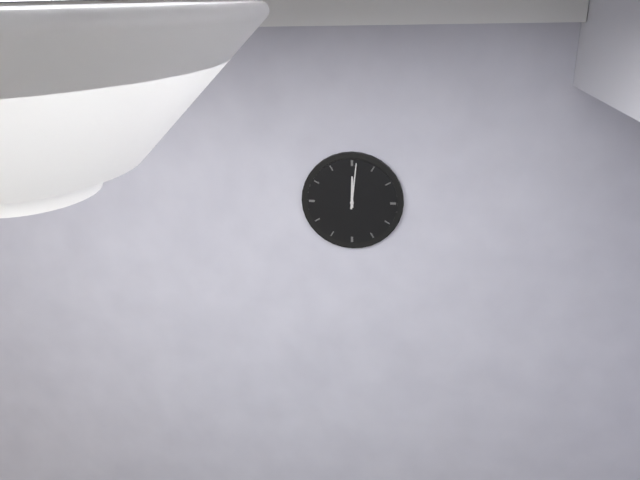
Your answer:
h=12 m=1
